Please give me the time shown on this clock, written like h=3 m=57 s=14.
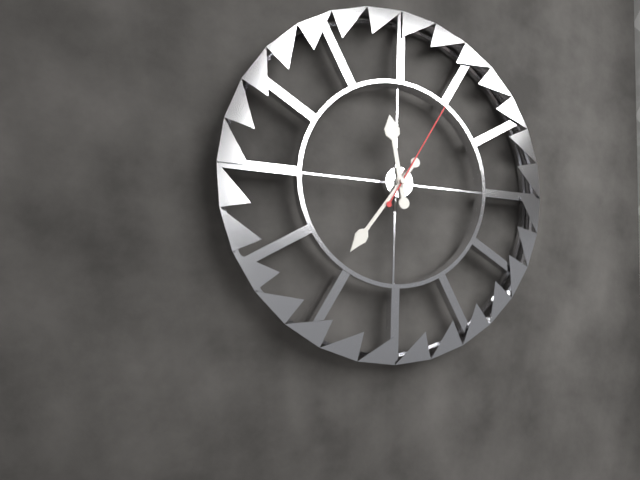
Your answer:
h=11 m=36 s=5
